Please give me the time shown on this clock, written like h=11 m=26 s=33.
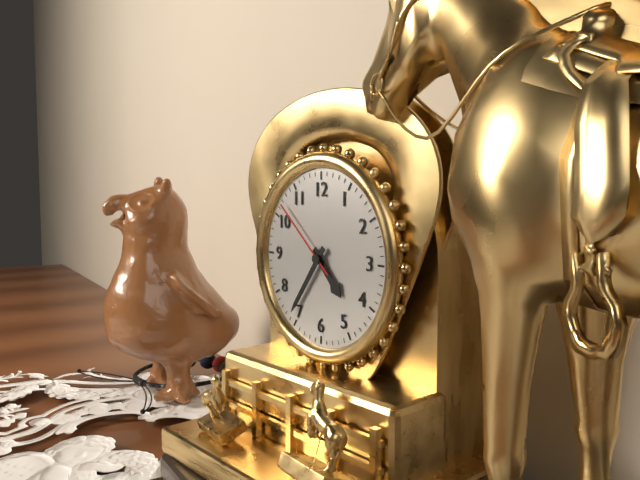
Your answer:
h=4 m=36 s=52
